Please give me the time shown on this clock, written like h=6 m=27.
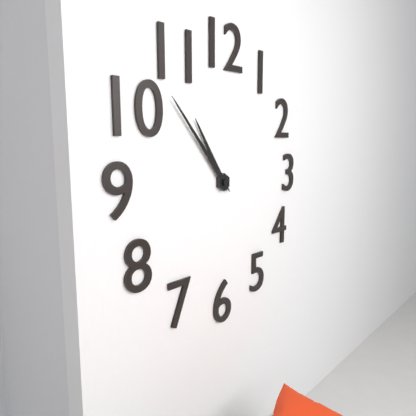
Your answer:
h=10 m=53
